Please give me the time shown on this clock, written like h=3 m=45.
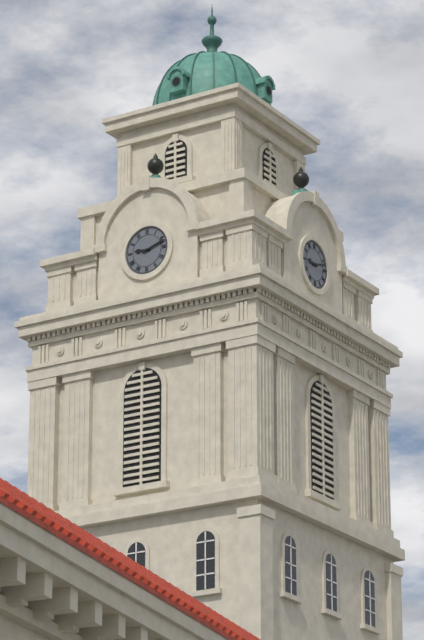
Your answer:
h=9 m=12
